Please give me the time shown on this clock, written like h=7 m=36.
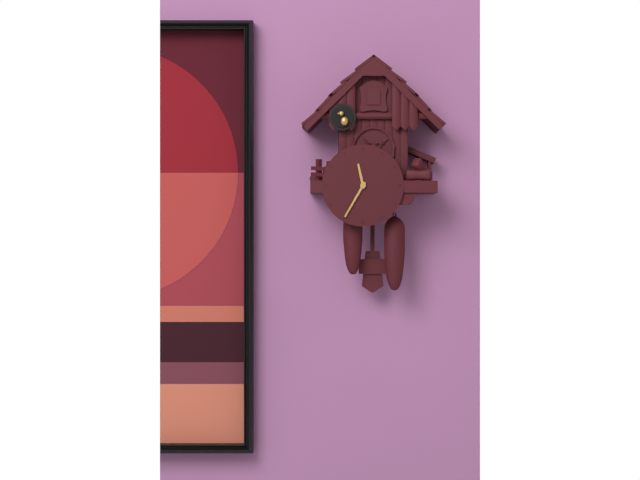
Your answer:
h=11 m=35
